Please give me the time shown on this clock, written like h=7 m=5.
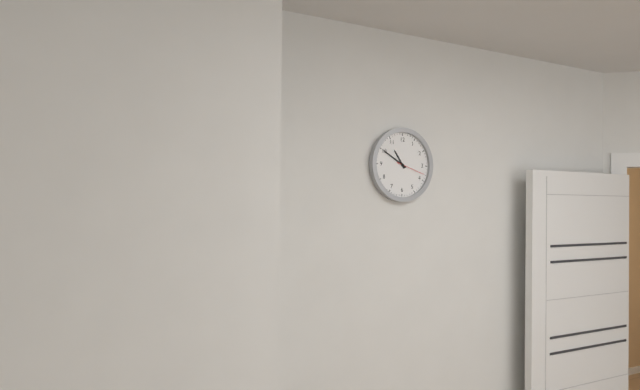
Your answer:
h=10 m=50
